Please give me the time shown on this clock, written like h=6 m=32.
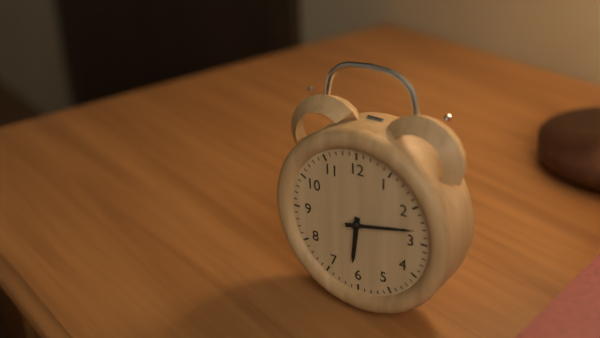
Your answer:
h=6 m=13
